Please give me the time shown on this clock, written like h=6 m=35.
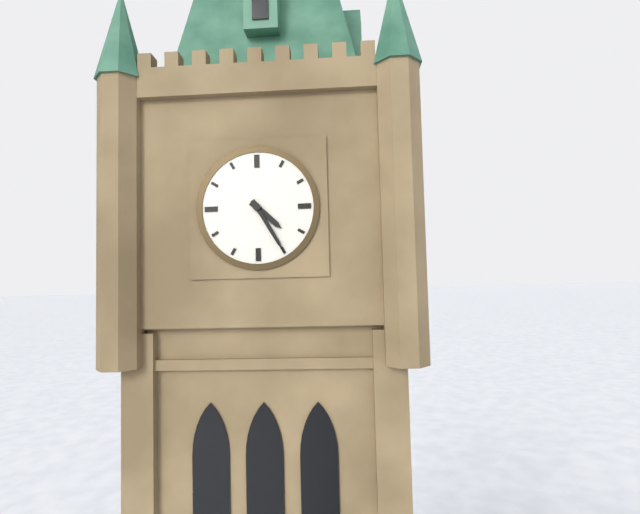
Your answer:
h=4 m=25
